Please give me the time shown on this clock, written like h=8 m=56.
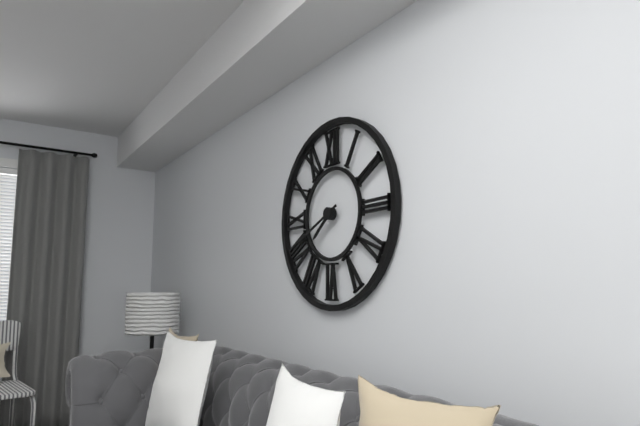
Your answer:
h=7 m=41
